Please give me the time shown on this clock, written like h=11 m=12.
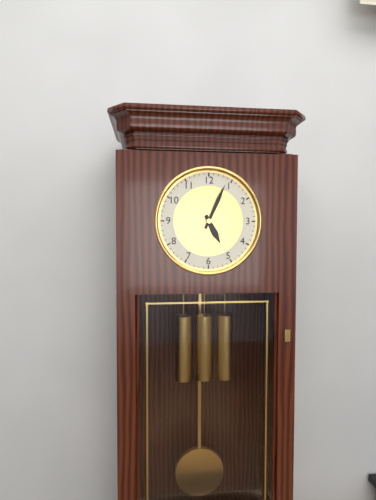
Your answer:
h=5 m=4
